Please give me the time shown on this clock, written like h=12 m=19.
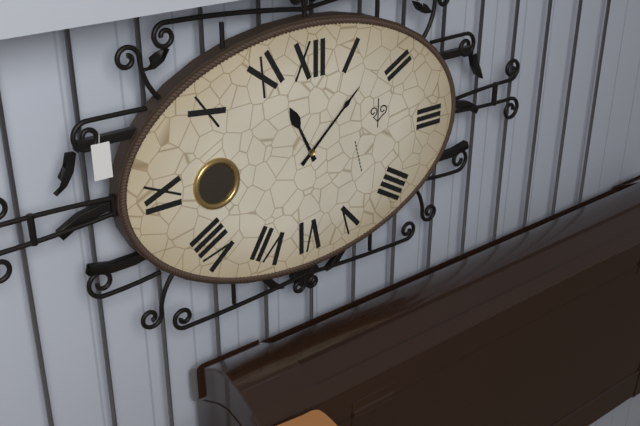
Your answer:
h=11 m=8
